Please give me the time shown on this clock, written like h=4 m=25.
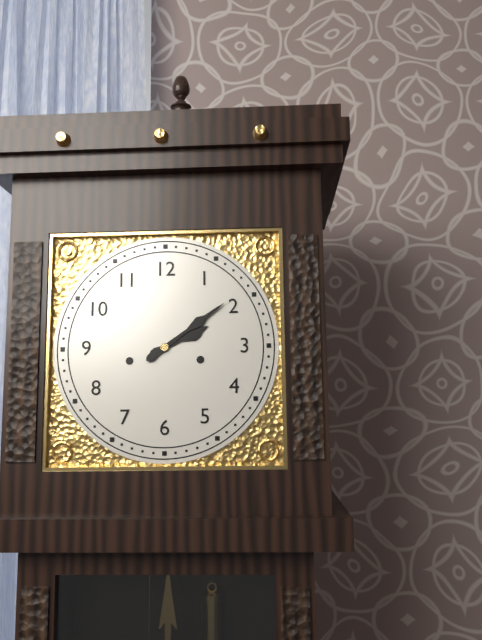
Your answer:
h=2 m=9
